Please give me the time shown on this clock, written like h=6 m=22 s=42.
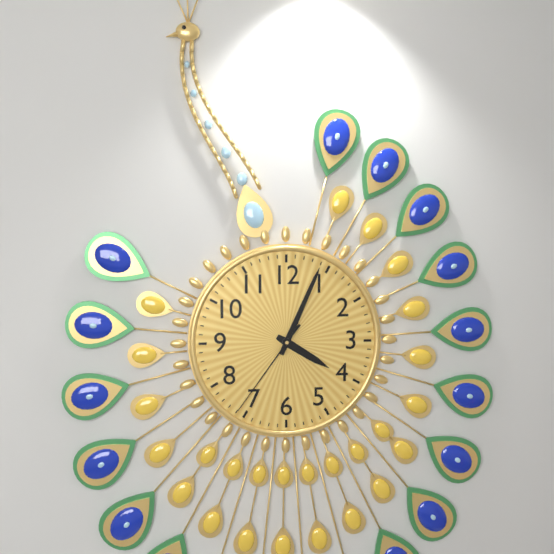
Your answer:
h=4 m=4 s=36
